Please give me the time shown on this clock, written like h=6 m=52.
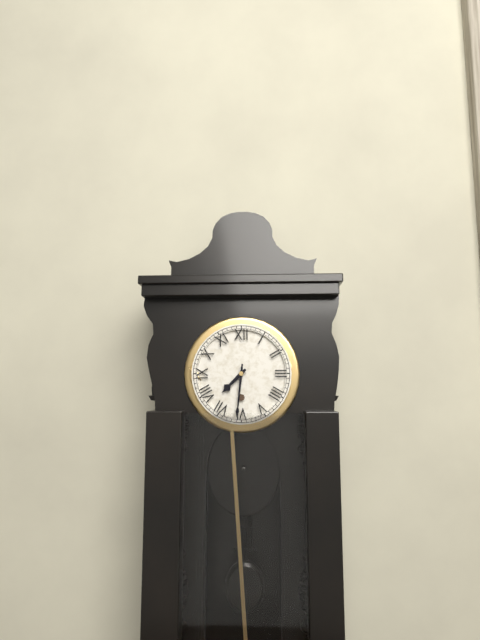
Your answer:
h=7 m=31
